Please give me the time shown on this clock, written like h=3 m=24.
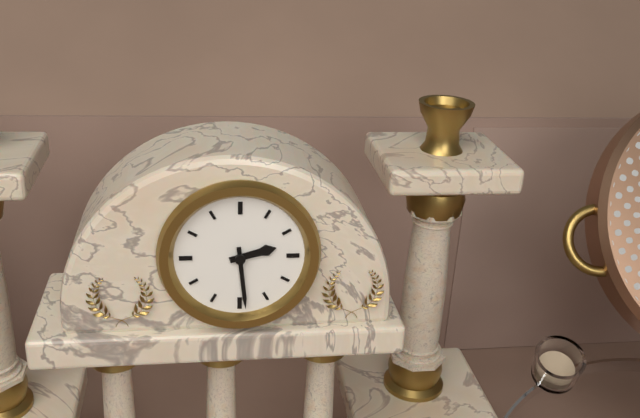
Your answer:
h=2 m=29
